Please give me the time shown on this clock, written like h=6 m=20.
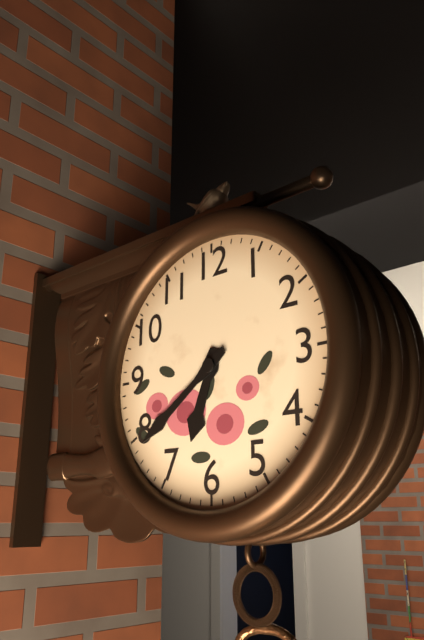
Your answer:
h=6 m=39
